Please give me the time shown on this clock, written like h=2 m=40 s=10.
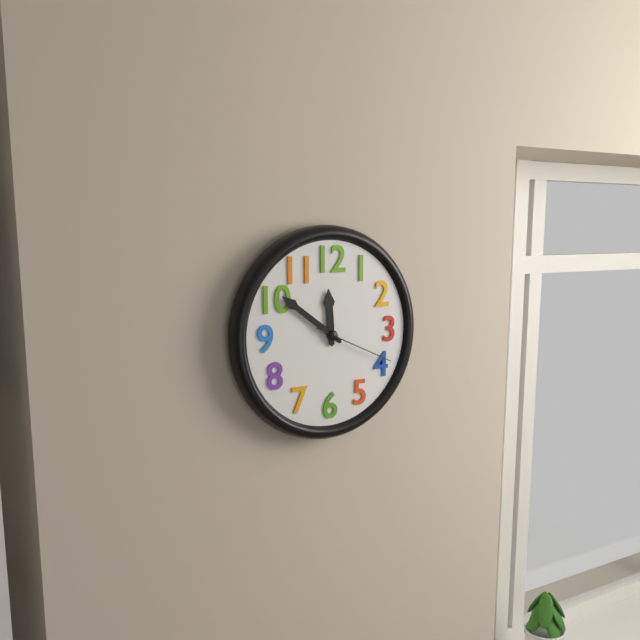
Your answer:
h=11 m=51 s=19
